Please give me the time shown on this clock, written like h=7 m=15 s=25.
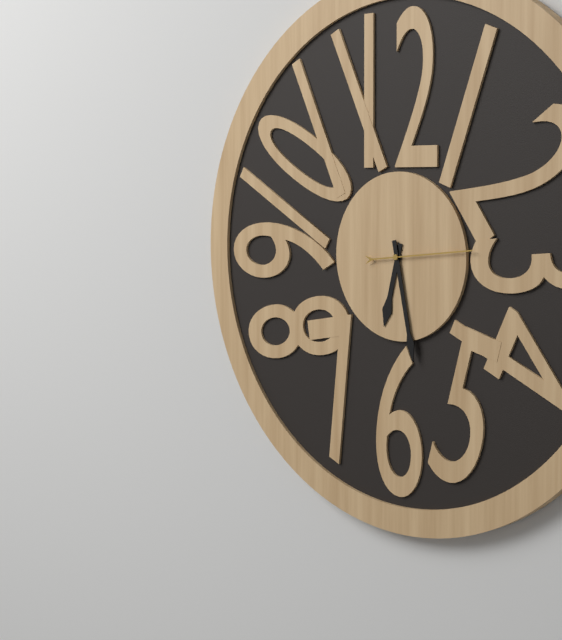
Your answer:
h=6 m=28 s=14
